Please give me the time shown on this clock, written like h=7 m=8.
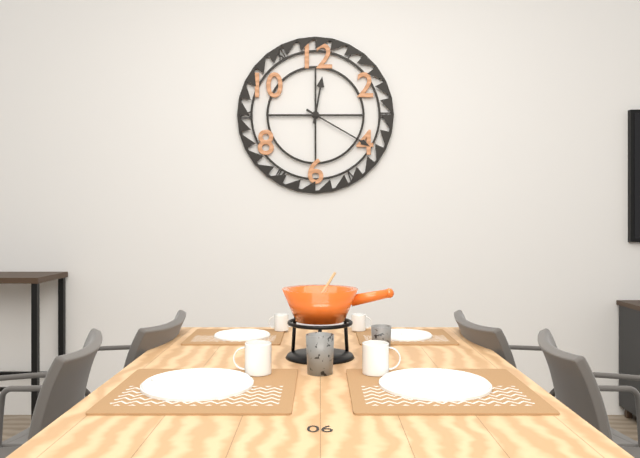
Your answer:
h=12 m=20
